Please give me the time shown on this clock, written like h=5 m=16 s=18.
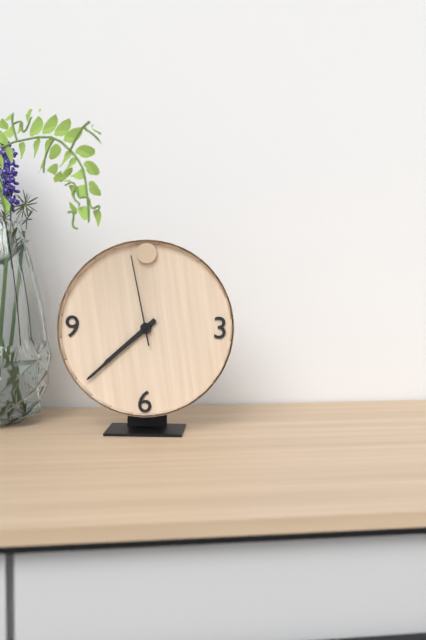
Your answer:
h=7 m=38 s=58
